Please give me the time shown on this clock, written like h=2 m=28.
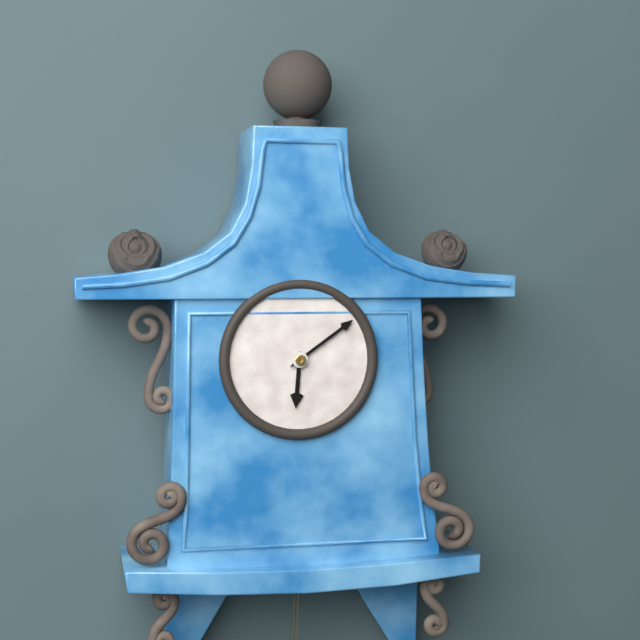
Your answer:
h=6 m=9
